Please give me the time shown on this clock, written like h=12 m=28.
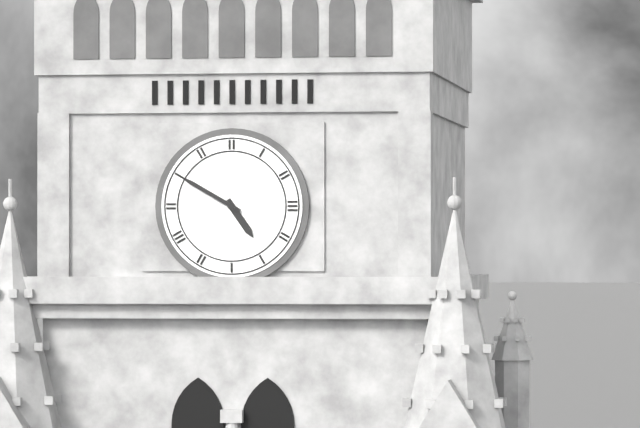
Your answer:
h=4 m=50
